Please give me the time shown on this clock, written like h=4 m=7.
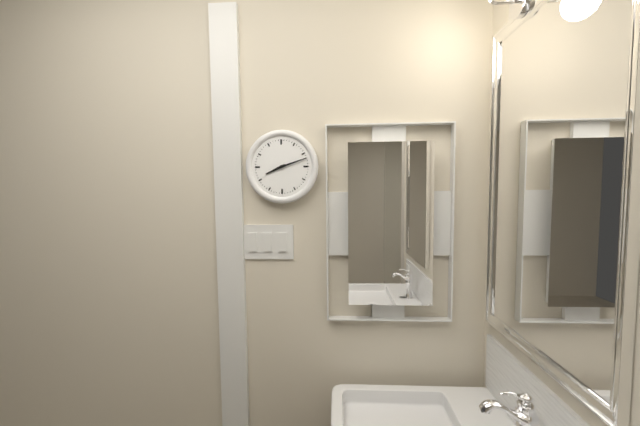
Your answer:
h=8 m=12
